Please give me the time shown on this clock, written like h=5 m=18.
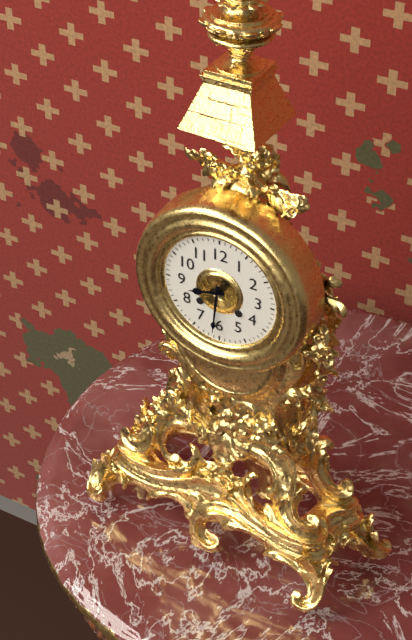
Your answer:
h=8 m=31
